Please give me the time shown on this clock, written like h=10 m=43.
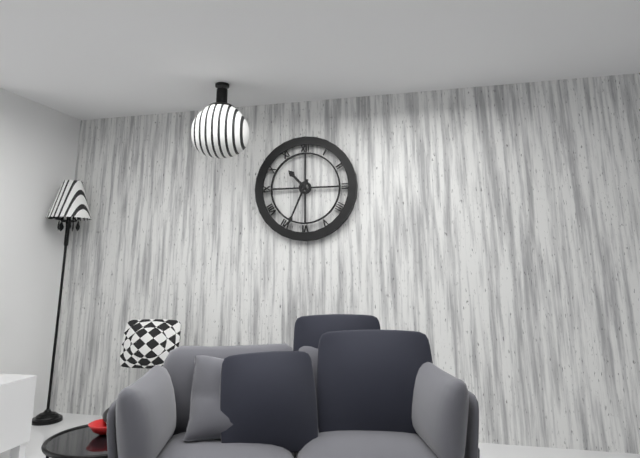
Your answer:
h=10 m=34
